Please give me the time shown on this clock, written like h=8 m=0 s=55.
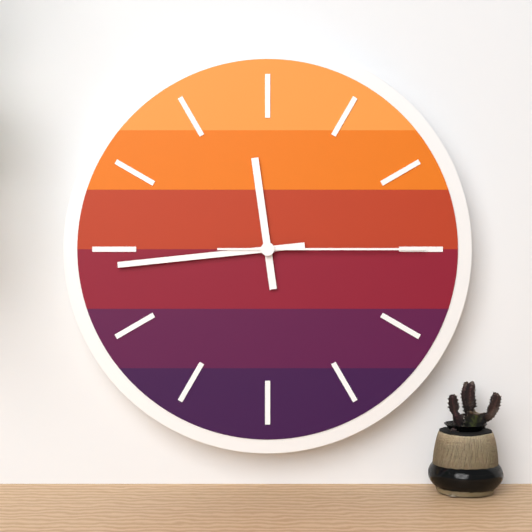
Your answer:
h=11 m=44 s=15
